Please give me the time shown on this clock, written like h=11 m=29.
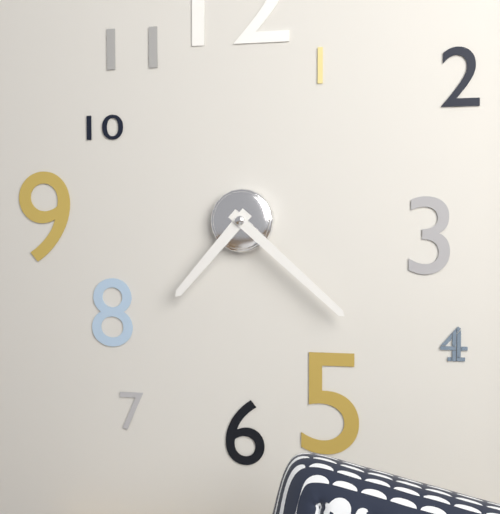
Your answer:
h=7 m=22
